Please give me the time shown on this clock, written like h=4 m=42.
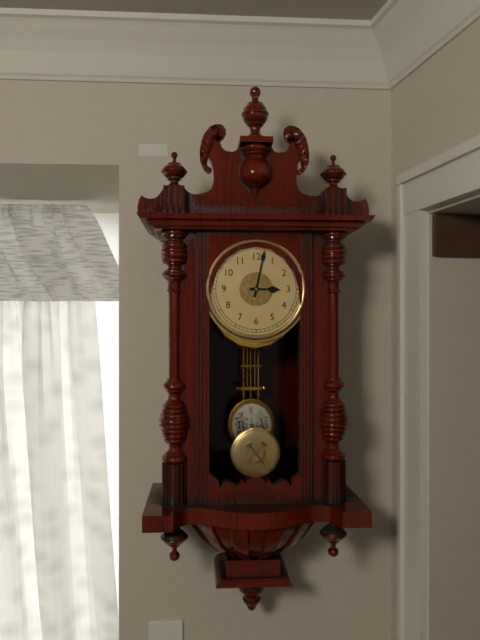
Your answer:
h=3 m=2
